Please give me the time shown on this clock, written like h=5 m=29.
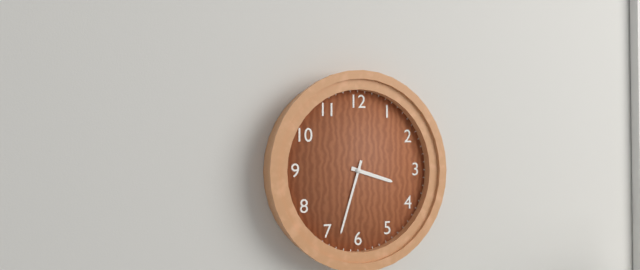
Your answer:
h=3 m=33
